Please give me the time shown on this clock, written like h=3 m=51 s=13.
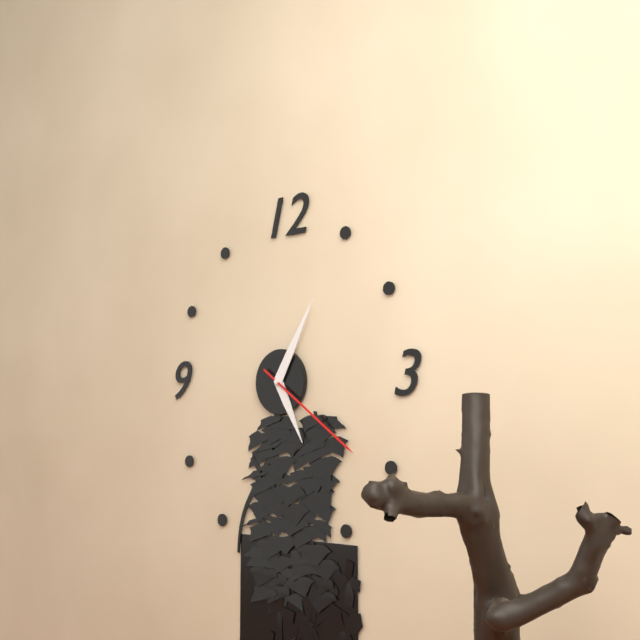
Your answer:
h=5 m=5 s=21
